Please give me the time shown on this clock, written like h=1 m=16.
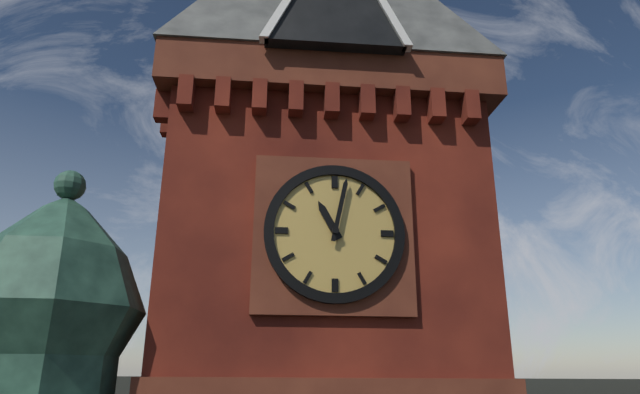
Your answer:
h=11 m=2
